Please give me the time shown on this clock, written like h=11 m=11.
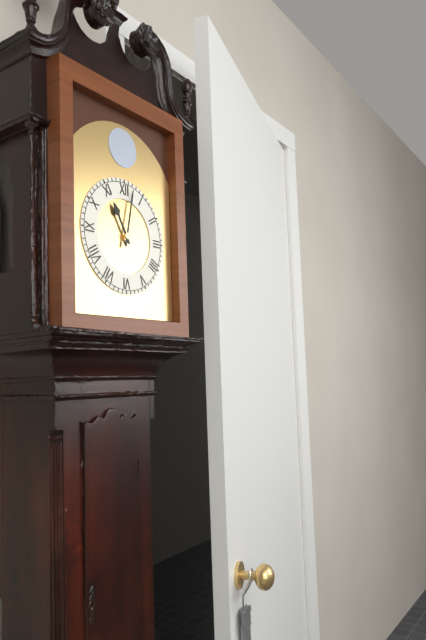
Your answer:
h=11 m=2
